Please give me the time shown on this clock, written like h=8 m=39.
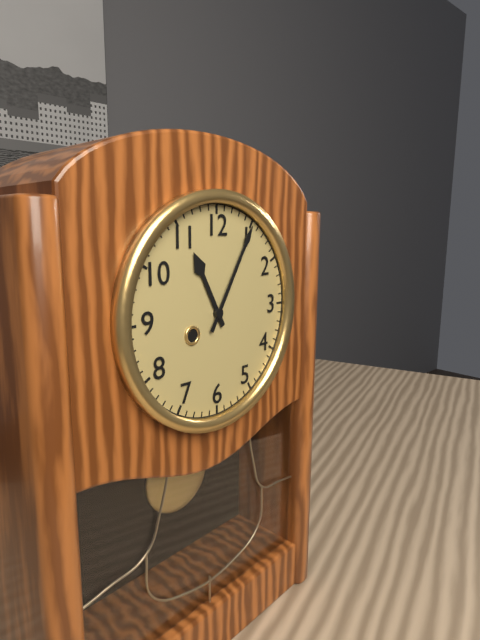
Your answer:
h=11 m=5
